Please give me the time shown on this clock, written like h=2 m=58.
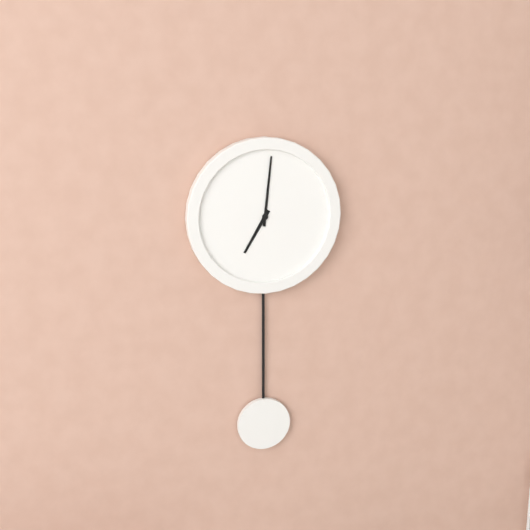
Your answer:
h=7 m=1
